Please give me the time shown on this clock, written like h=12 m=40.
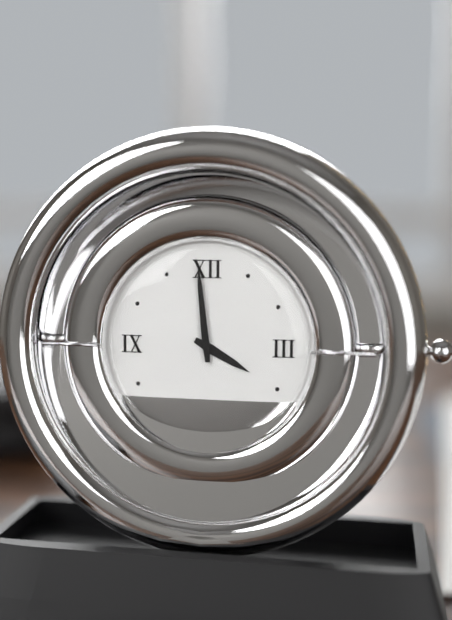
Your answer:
h=3 m=59
